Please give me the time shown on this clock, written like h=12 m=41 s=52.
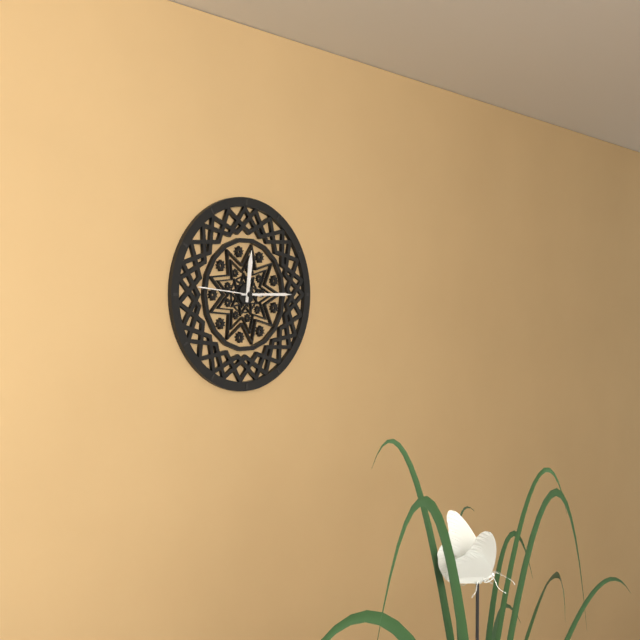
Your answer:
h=12 m=15 s=46
